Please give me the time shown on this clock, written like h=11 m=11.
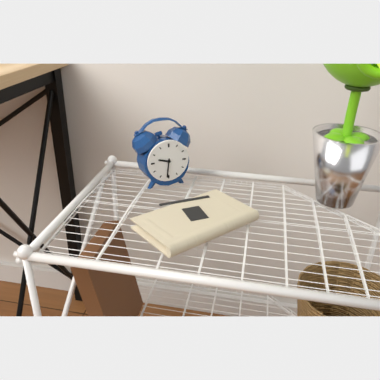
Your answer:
h=9 m=31
